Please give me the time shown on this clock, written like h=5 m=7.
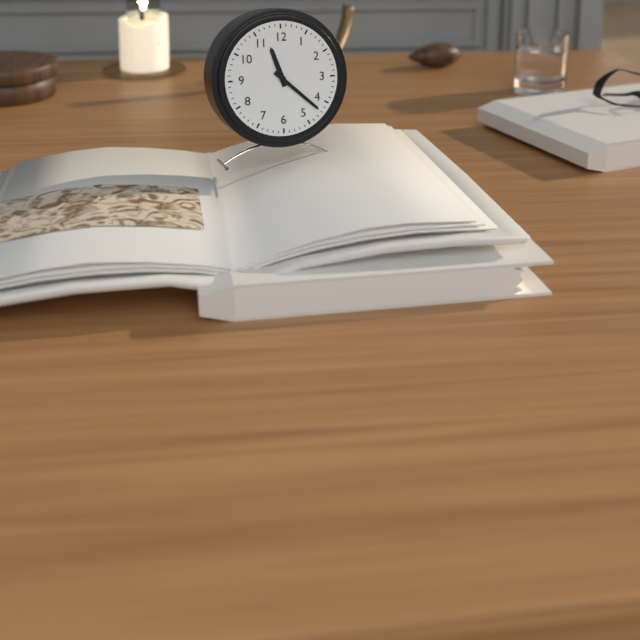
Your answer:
h=11 m=22
